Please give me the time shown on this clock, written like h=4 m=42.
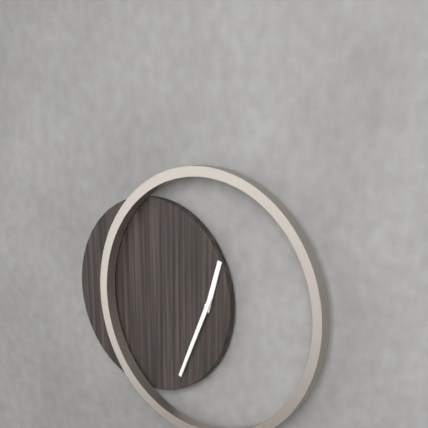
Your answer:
h=12 m=34
